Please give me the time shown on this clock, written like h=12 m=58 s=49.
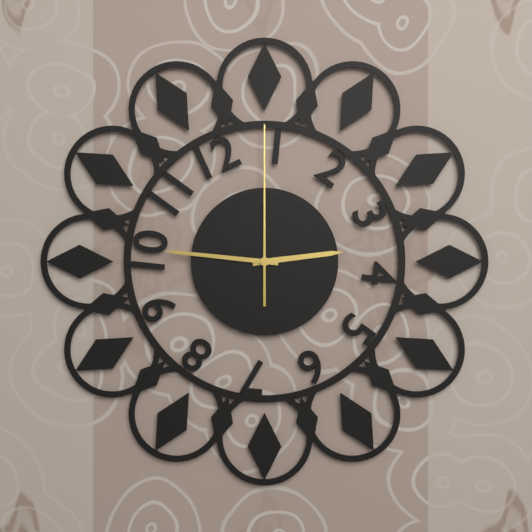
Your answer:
h=2 m=46 s=0
